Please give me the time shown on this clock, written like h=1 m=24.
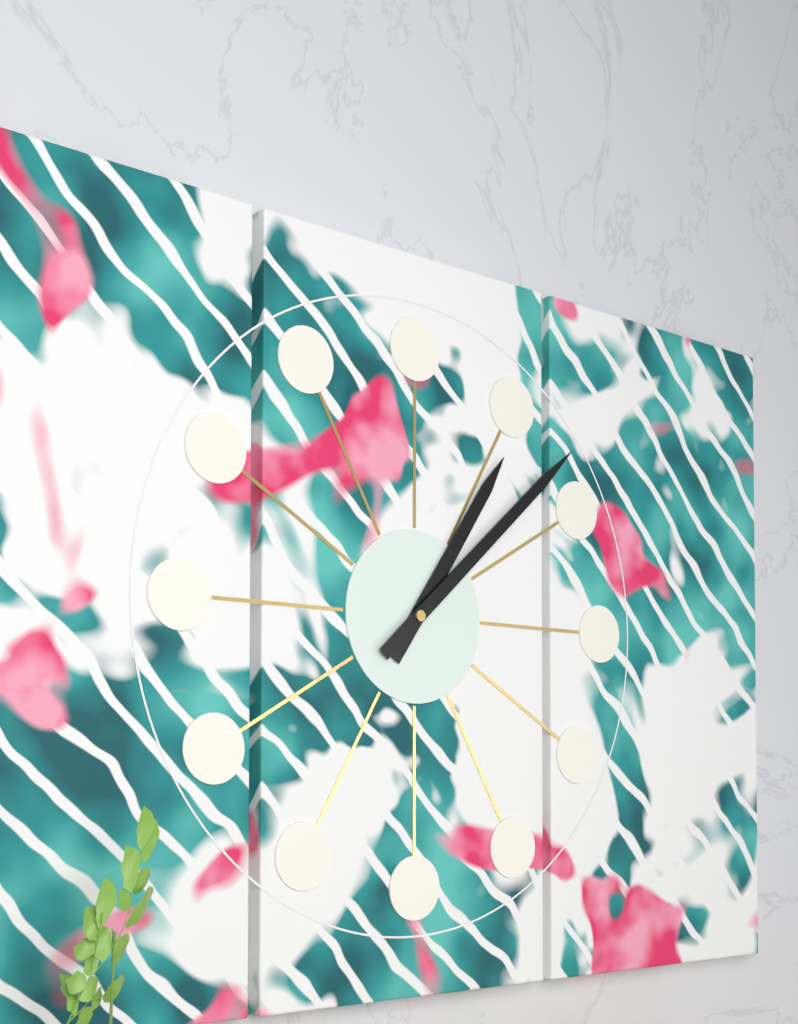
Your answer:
h=1 m=8
